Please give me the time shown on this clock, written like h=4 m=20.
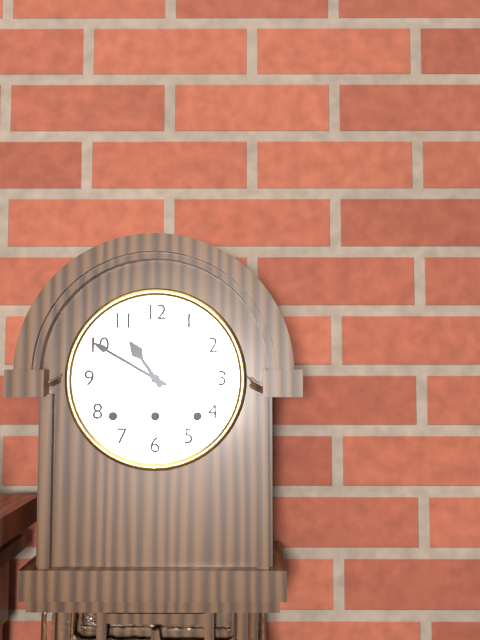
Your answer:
h=10 m=50
